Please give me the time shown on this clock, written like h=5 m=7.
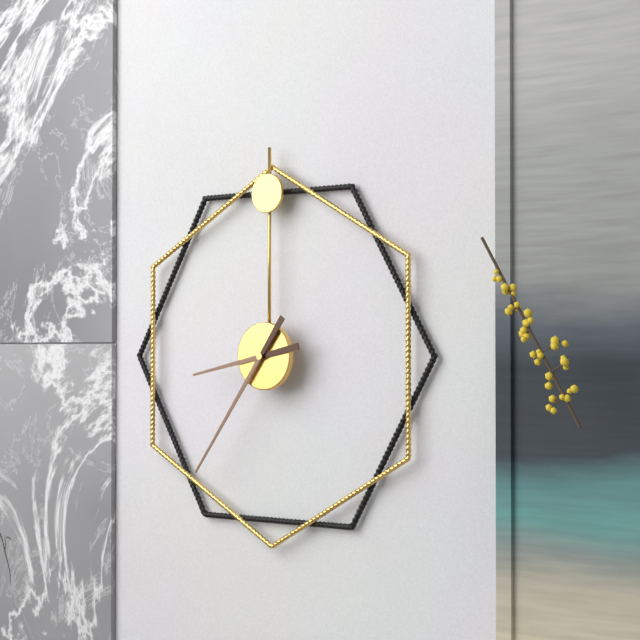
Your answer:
h=8 m=36
